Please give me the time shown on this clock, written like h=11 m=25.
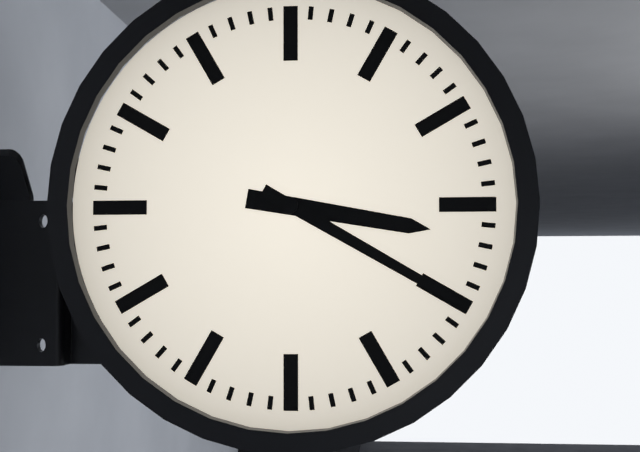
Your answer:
h=3 m=20
